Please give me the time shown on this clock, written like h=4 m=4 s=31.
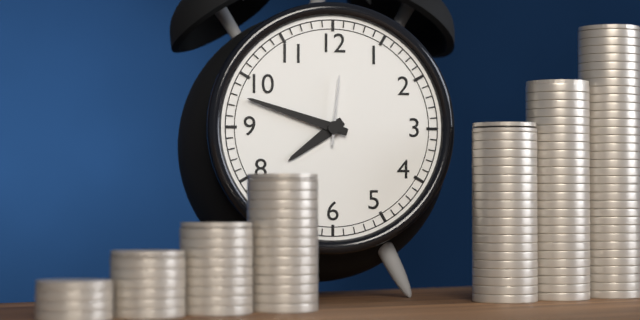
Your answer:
h=7 m=48 s=1
